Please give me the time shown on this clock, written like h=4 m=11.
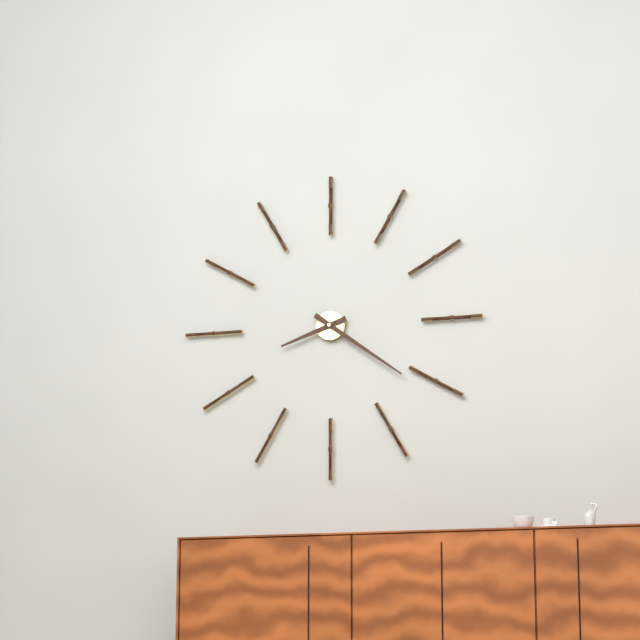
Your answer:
h=8 m=21
